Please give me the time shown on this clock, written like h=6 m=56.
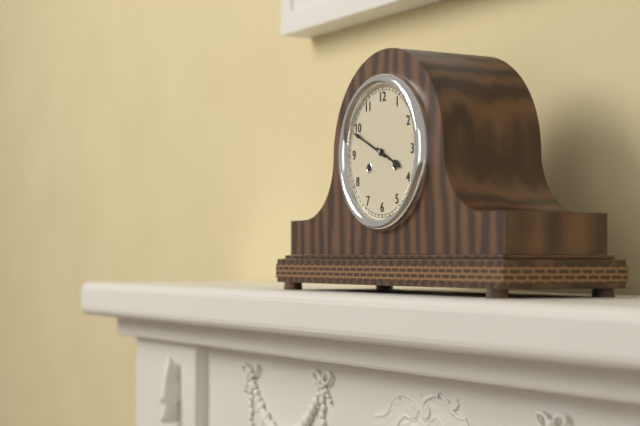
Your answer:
h=3 m=49
